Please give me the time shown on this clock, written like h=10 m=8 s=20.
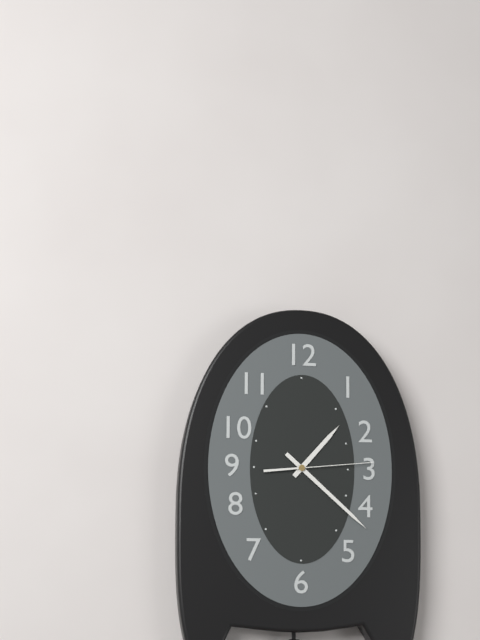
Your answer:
h=1 m=22 s=14
